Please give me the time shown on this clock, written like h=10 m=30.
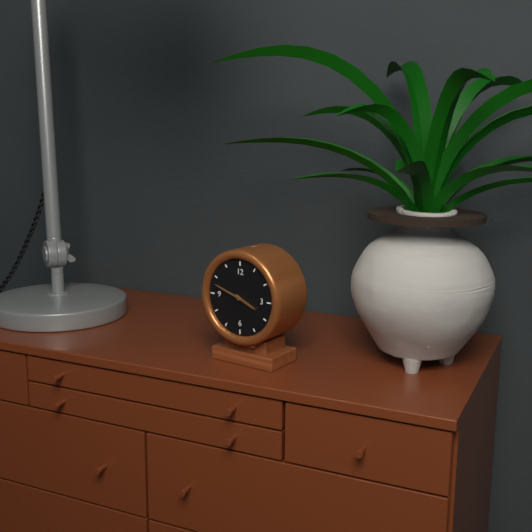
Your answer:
h=3 m=48
